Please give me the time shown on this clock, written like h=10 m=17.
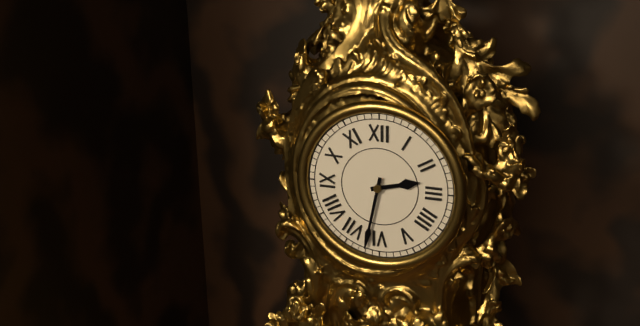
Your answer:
h=2 m=32
